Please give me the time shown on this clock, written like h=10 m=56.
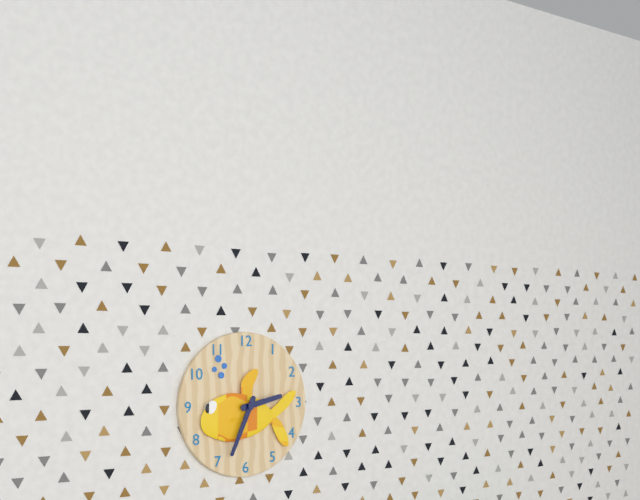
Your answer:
h=2 m=34
